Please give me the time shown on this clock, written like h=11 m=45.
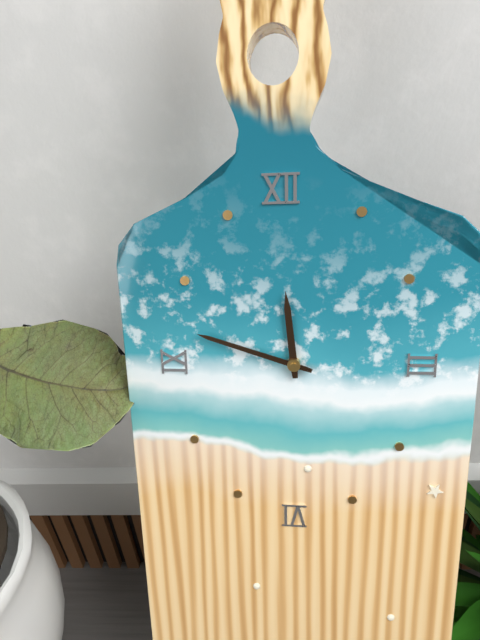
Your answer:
h=11 m=48
